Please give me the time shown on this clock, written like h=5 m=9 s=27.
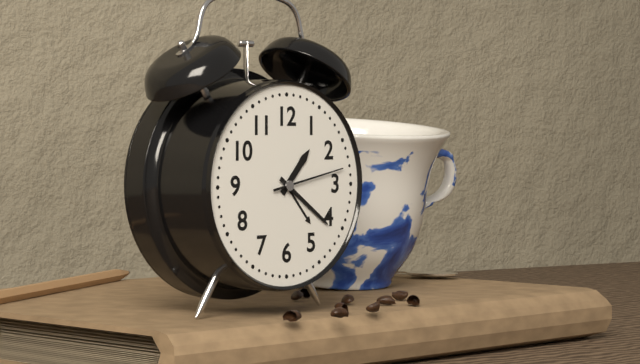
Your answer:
h=1 m=21 s=13
